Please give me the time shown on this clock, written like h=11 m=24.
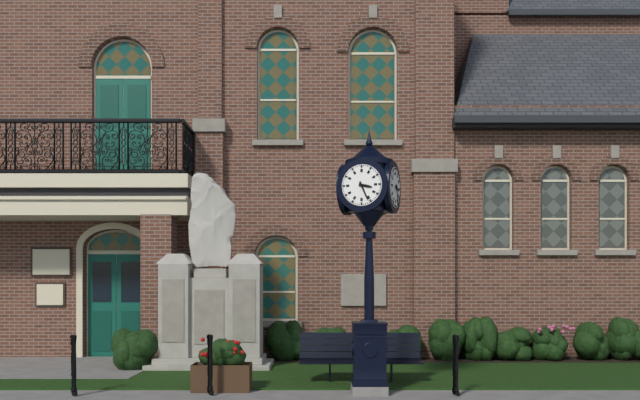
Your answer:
h=3 m=26
